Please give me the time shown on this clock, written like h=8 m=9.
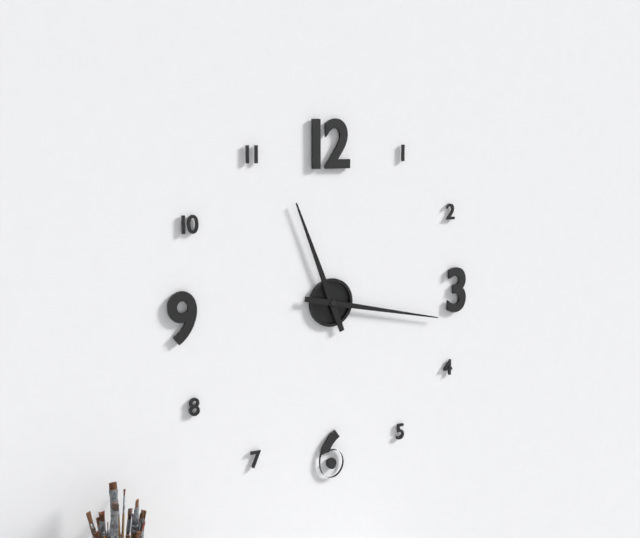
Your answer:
h=11 m=17
